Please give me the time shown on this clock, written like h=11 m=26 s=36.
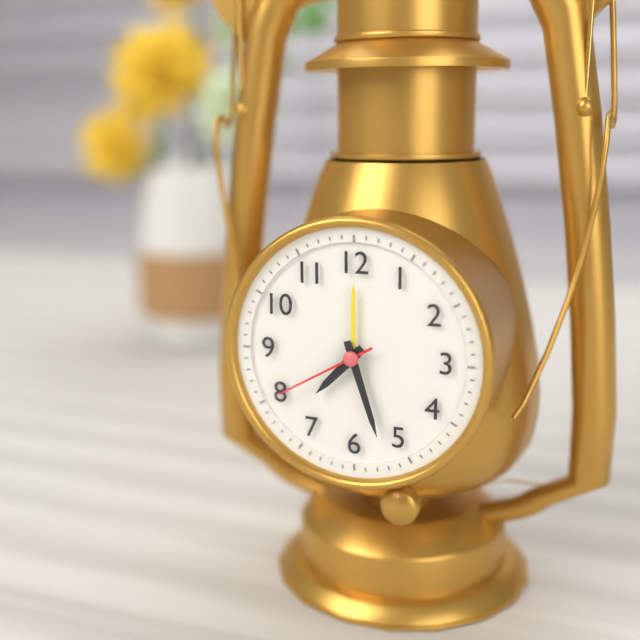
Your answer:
h=7 m=27 s=40
